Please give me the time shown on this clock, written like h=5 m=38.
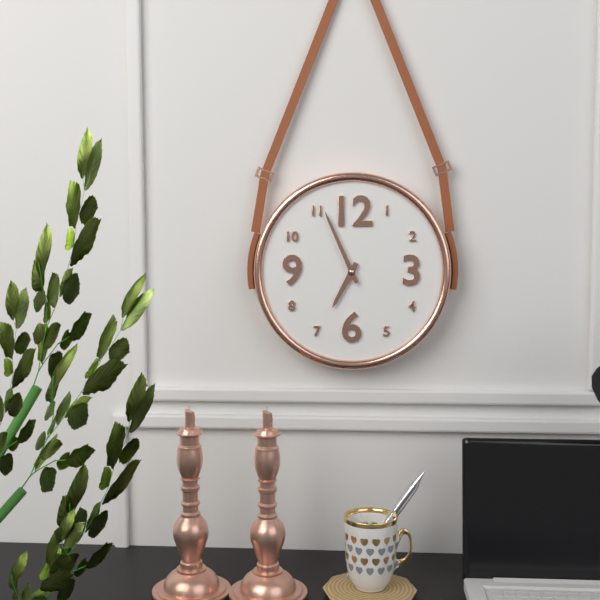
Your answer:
h=6 m=56
